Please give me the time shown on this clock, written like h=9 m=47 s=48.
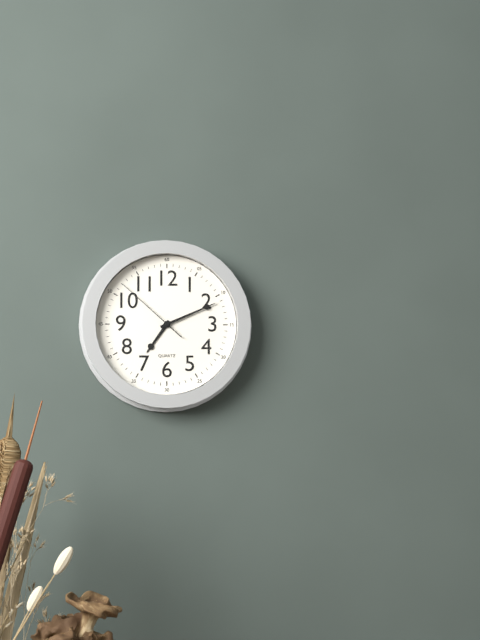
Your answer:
h=7 m=11 s=52
